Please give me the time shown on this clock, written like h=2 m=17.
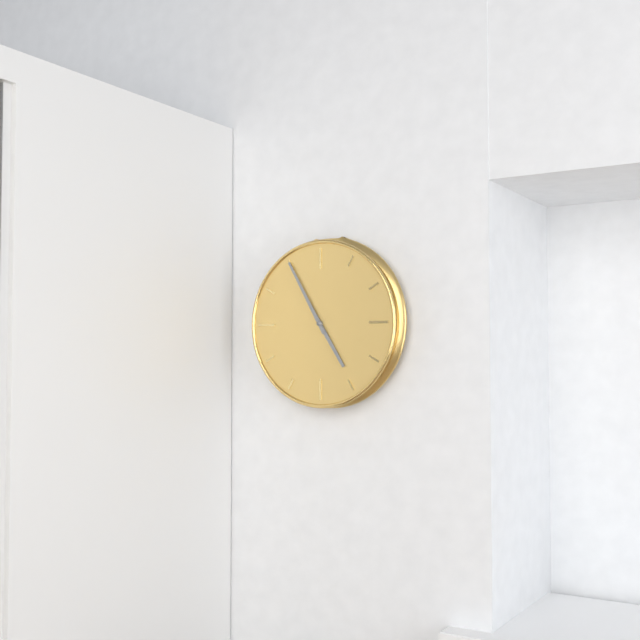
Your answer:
h=4 m=55
